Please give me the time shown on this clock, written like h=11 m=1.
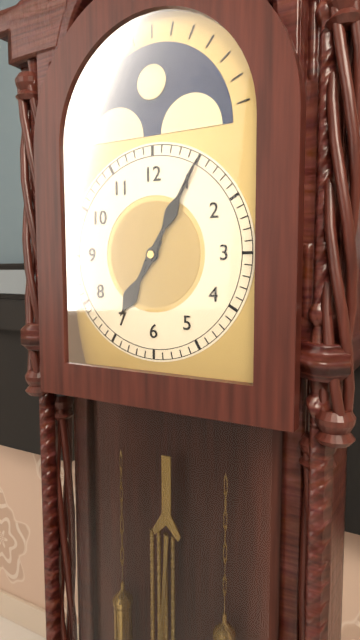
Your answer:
h=7 m=5
